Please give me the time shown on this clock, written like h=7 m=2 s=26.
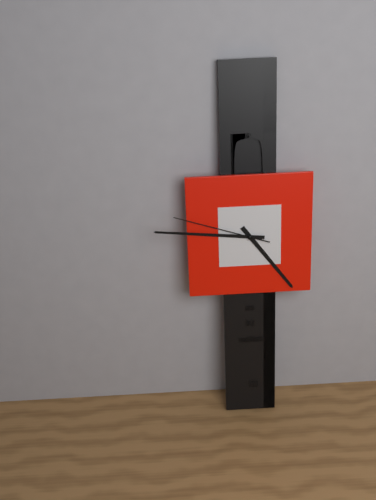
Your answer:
h=4 m=46 s=48
